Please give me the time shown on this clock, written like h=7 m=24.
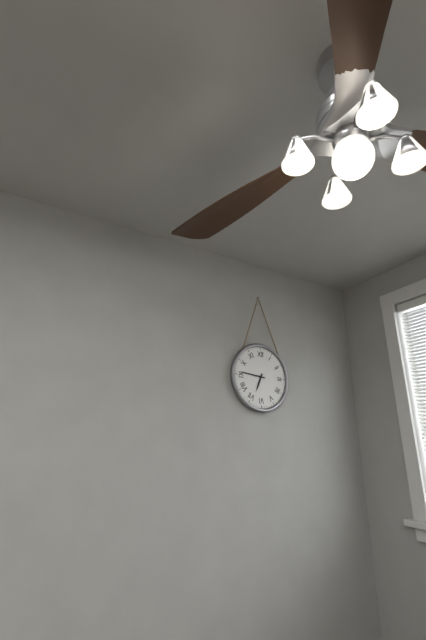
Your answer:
h=6 m=46
